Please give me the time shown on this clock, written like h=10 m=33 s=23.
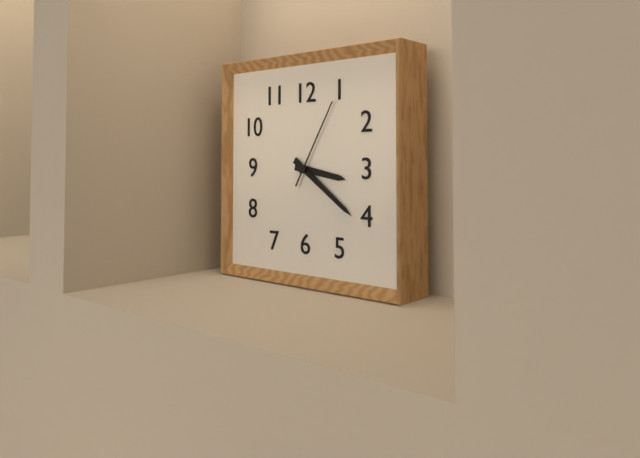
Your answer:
h=3 m=21 s=5
